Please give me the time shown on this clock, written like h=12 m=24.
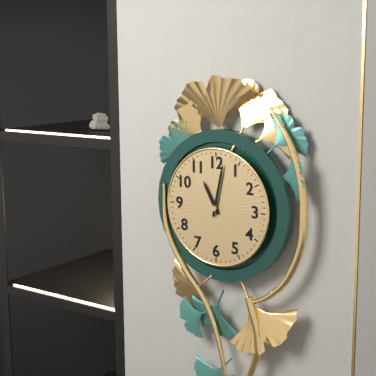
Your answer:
h=11 m=2
